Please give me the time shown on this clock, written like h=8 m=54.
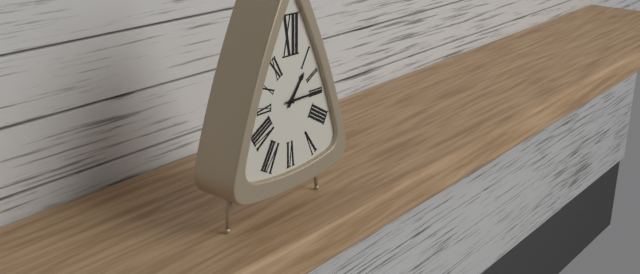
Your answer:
h=1 m=15
